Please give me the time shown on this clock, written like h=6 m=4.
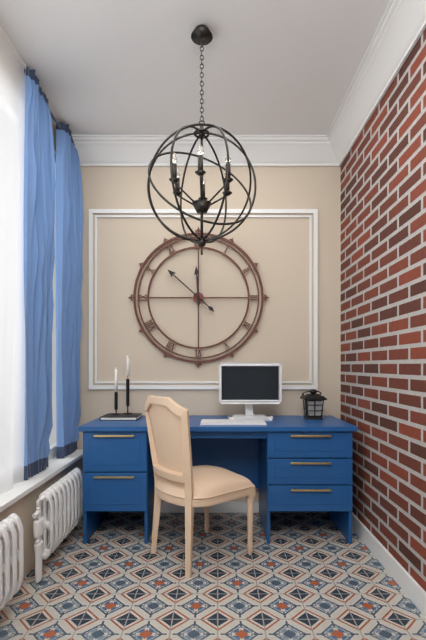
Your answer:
h=11 m=52
